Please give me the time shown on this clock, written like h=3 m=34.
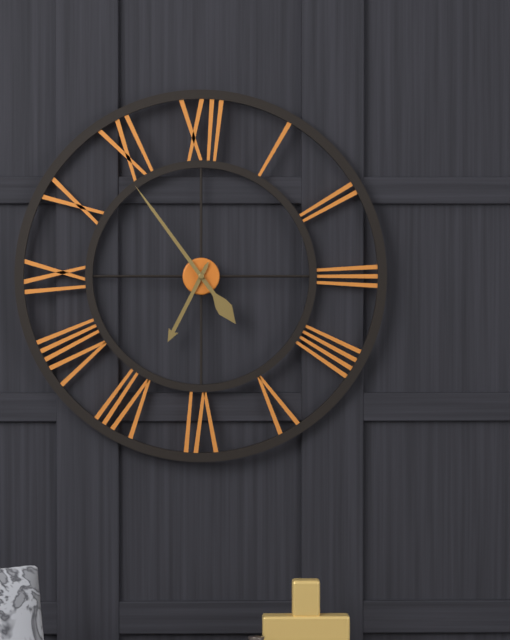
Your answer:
h=6 m=54
